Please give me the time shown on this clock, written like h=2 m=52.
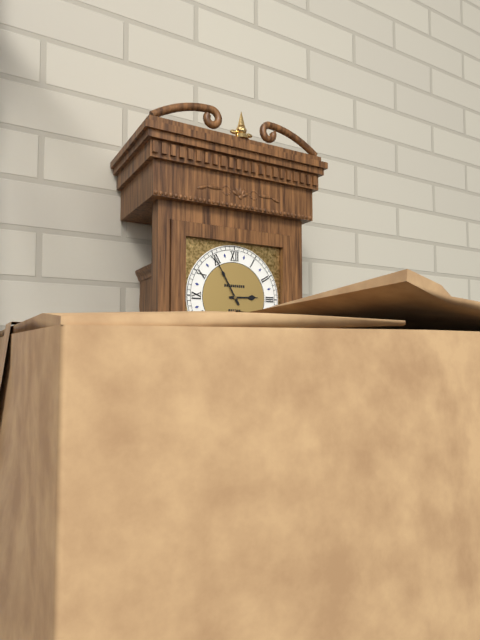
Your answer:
h=2 m=55
